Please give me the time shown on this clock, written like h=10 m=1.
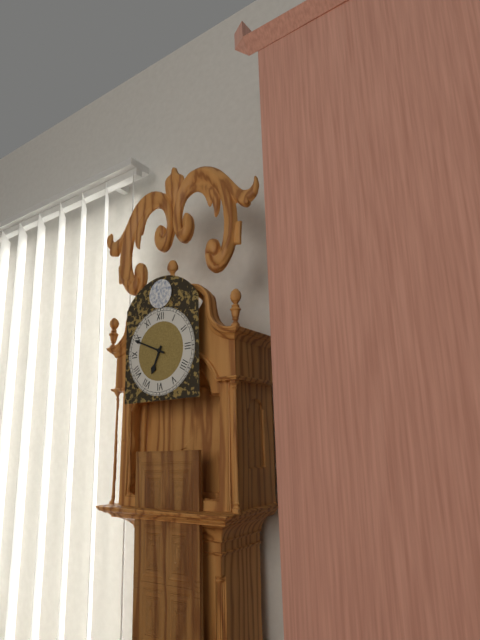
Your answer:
h=6 m=49
